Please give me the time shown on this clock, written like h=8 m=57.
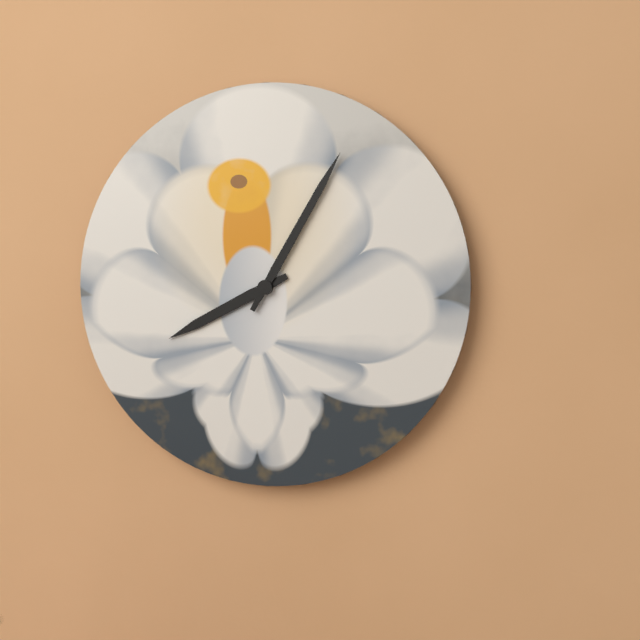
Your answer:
h=8 m=5
